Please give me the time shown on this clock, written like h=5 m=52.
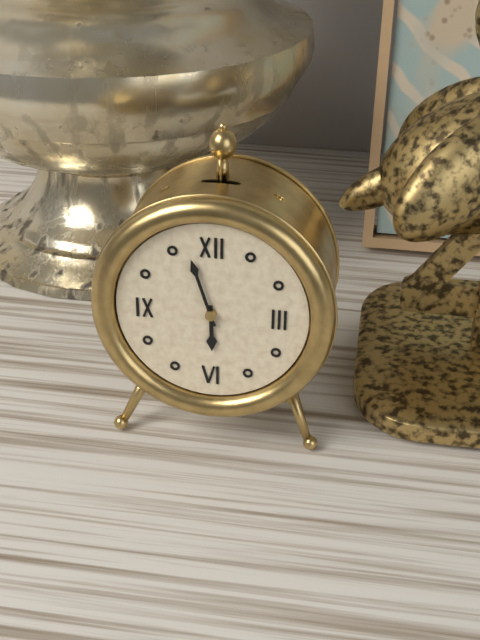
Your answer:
h=5 m=57
